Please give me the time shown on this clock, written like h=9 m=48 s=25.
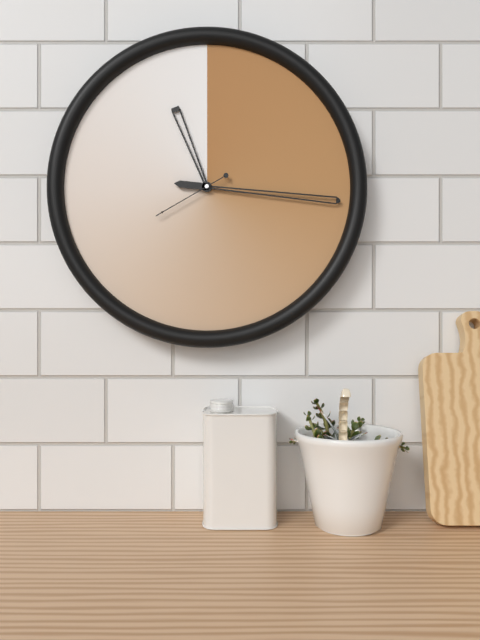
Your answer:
h=11 m=16 s=40
